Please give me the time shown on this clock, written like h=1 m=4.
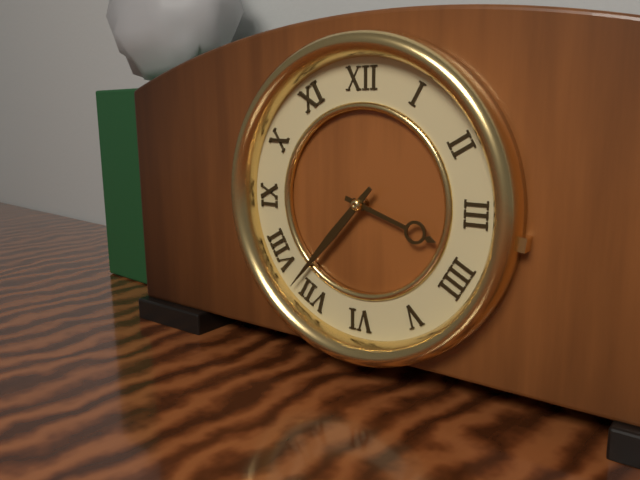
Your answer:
h=3 m=37
